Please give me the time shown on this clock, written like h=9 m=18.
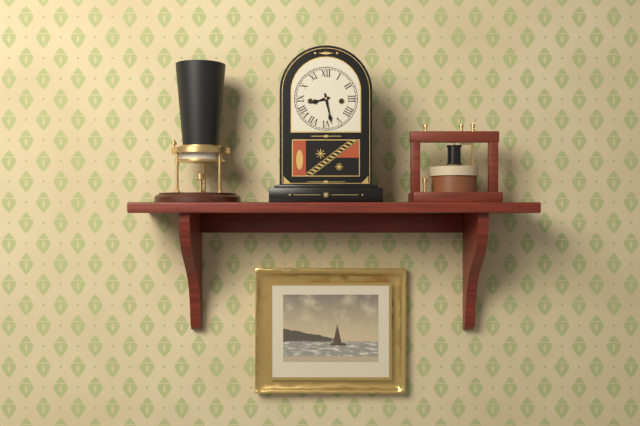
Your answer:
h=8 m=28
